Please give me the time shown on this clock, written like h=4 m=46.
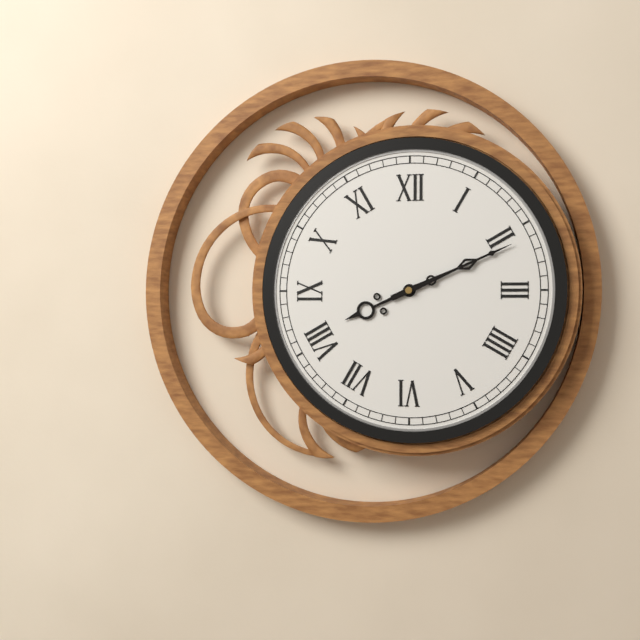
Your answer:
h=8 m=11
